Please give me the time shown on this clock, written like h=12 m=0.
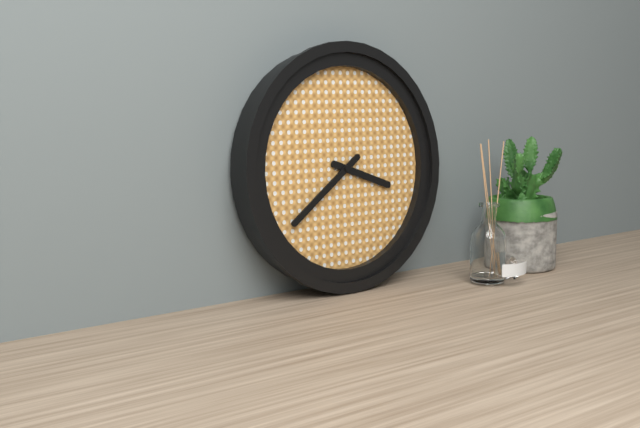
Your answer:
h=3 m=39
